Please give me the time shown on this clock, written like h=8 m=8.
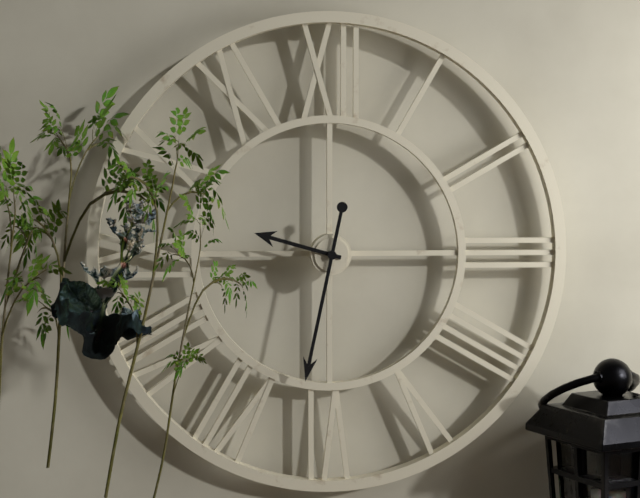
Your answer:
h=9 m=32
